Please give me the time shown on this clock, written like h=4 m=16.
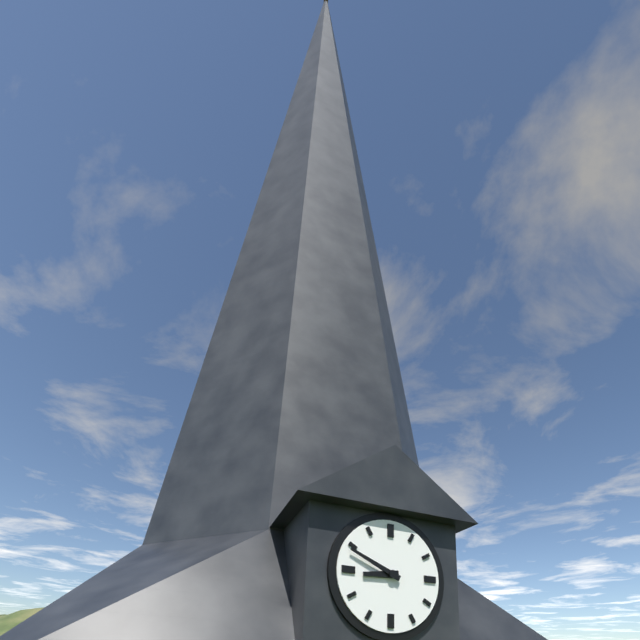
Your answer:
h=8 m=49
